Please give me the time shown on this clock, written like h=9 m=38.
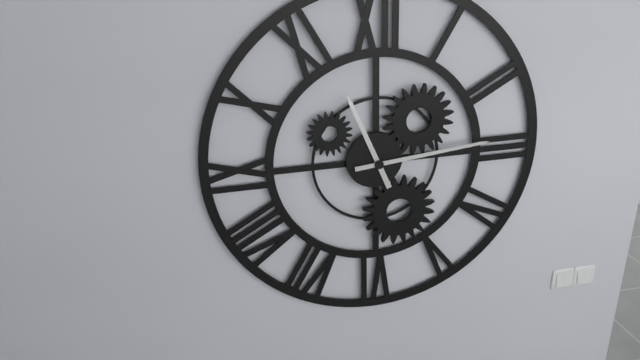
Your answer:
h=11 m=14
